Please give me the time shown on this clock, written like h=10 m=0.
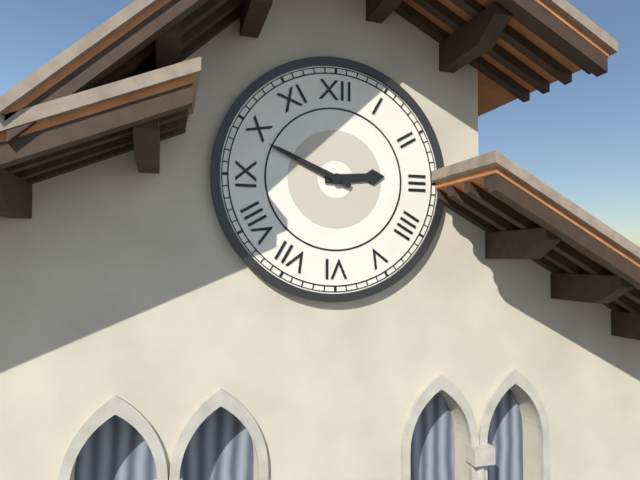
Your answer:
h=2 m=49
